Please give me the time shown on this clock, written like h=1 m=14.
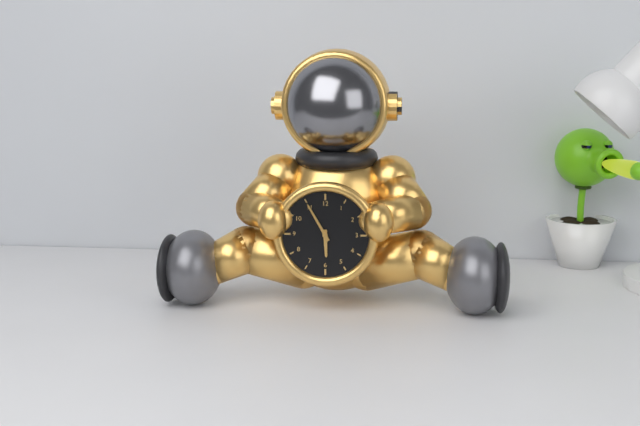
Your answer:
h=5 m=55
